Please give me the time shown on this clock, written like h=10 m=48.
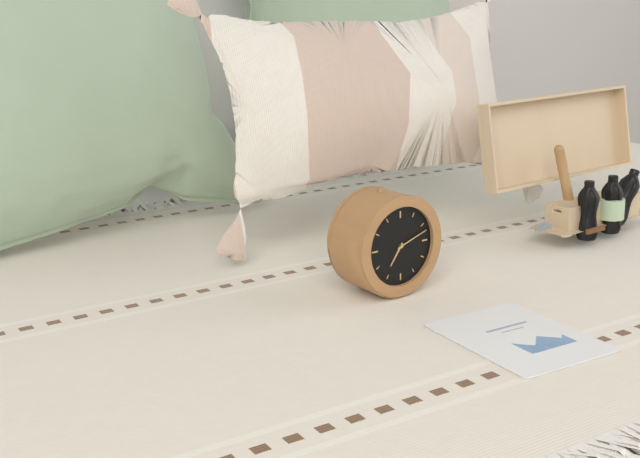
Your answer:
h=7 m=12
